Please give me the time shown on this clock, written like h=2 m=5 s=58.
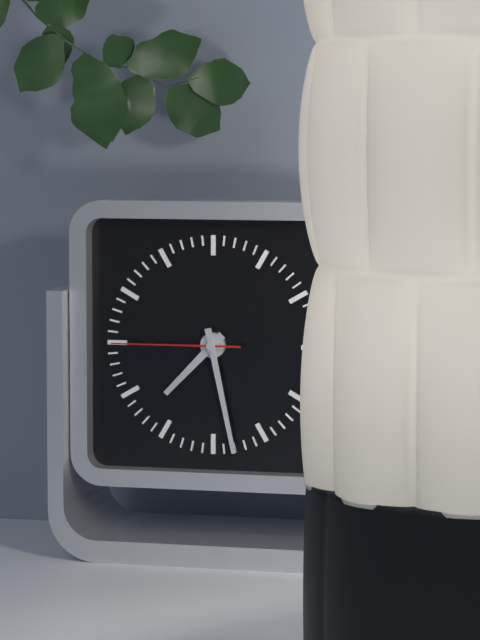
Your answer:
h=7 m=28 s=45
